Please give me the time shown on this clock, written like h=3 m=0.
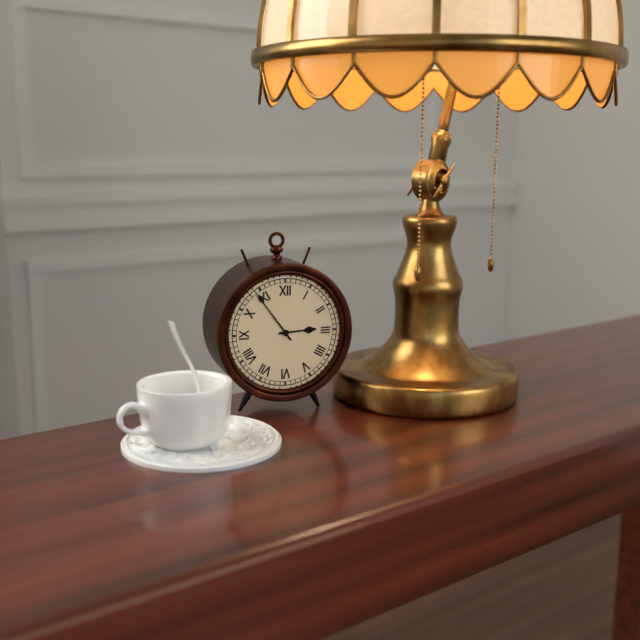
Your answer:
h=2 m=54
